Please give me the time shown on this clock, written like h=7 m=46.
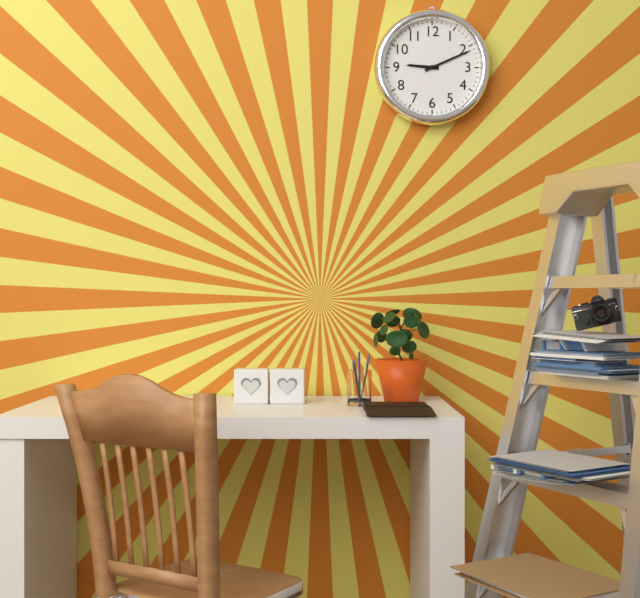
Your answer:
h=9 m=11
